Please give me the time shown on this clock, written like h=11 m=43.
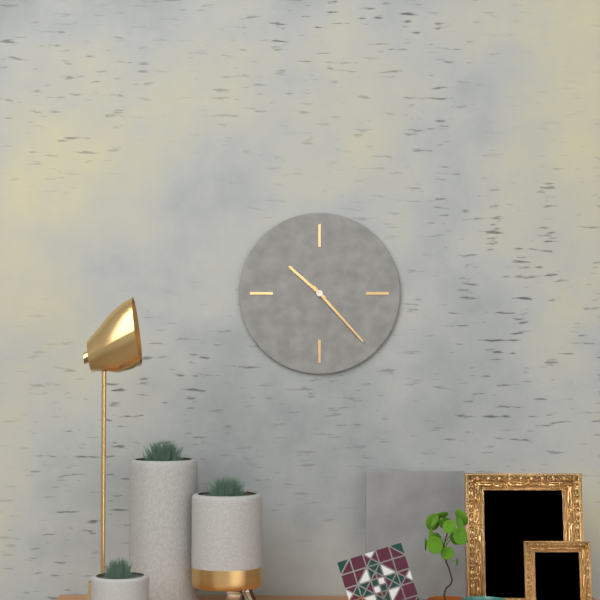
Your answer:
h=10 m=23
